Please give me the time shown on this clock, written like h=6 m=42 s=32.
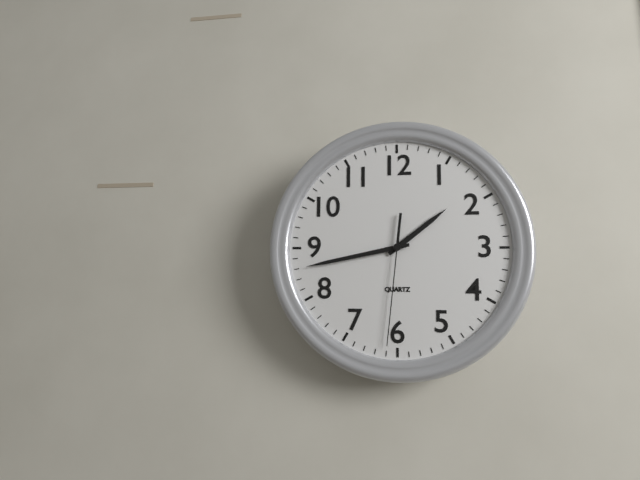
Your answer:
h=1 m=43 s=31
